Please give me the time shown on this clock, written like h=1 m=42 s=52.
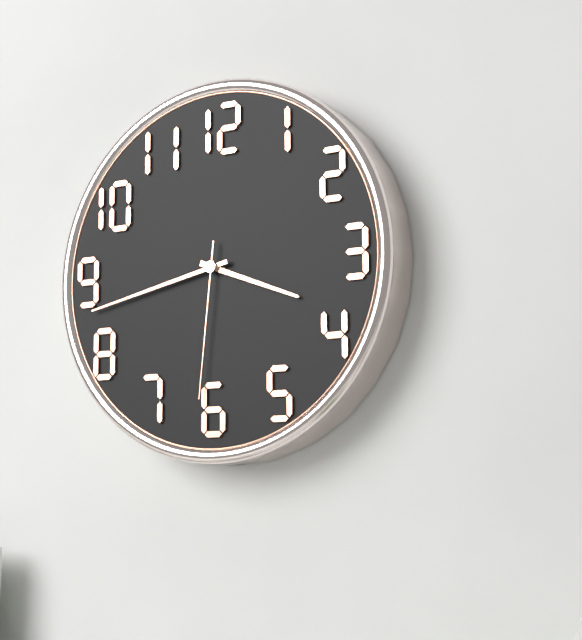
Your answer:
h=3 m=43 s=31
